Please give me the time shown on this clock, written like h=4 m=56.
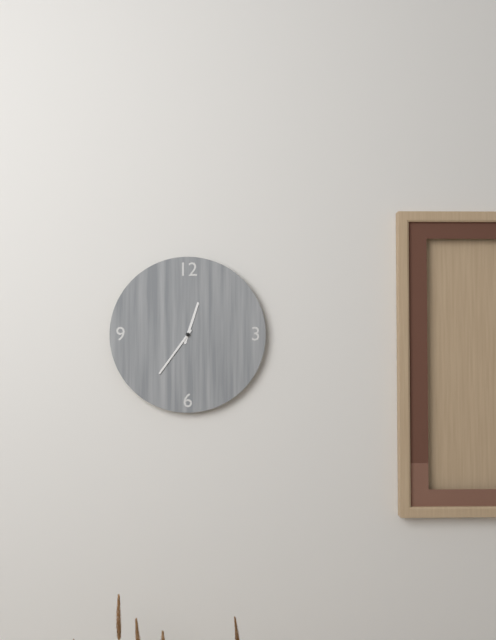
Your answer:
h=12 m=36
